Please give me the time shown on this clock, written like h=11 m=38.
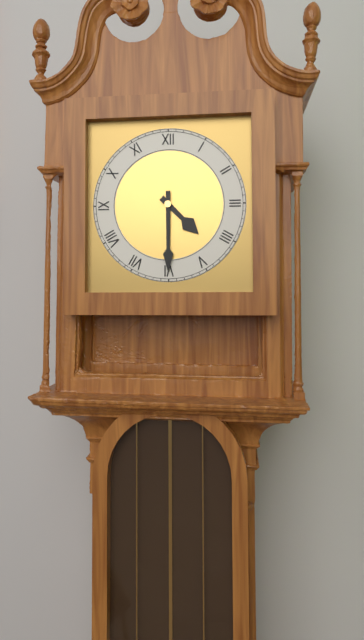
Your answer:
h=4 m=30
